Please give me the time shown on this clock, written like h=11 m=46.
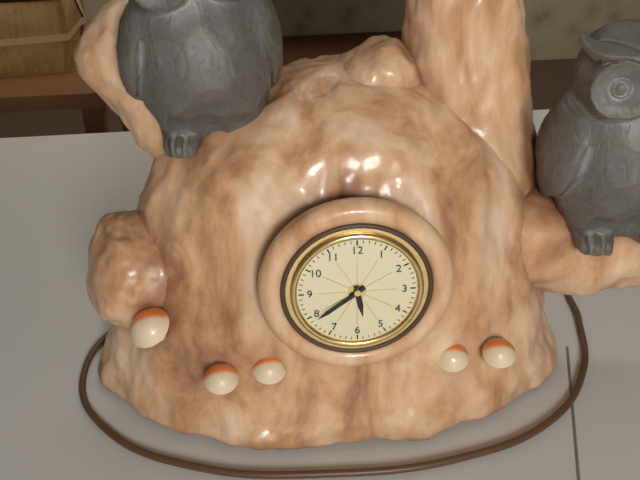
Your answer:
h=5 m=39
